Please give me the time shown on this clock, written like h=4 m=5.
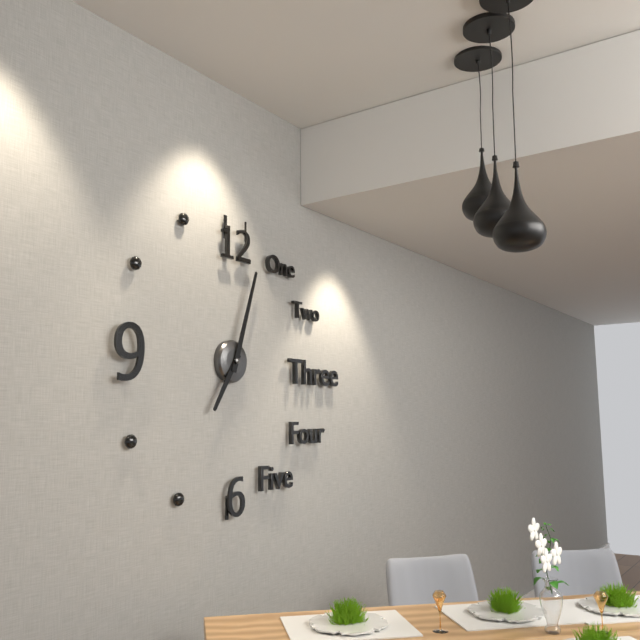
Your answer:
h=7 m=3
